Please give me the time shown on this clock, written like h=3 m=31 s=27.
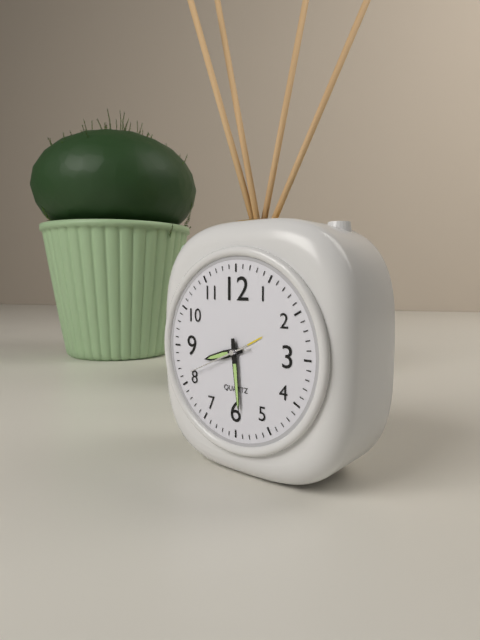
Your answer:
h=8 m=29 s=41
